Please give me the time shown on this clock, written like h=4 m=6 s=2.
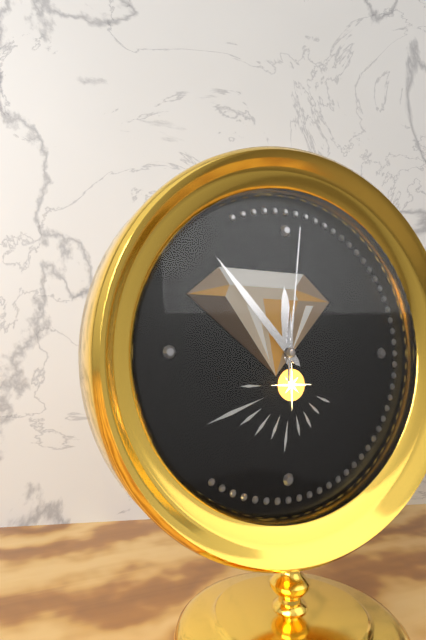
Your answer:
h=11 m=53 s=1
